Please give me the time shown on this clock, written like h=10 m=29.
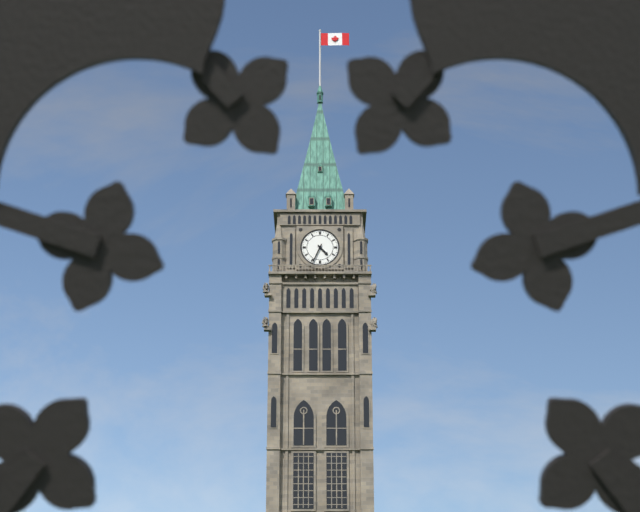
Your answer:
h=4 m=34
